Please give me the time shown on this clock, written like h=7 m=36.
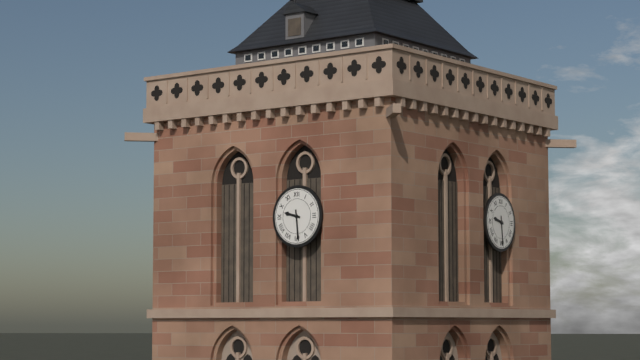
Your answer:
h=9 m=29
